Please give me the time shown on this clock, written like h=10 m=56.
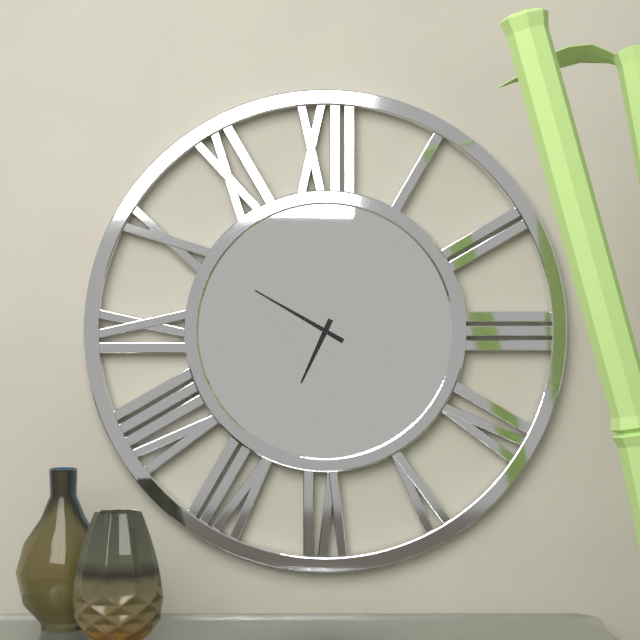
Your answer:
h=6 m=50
